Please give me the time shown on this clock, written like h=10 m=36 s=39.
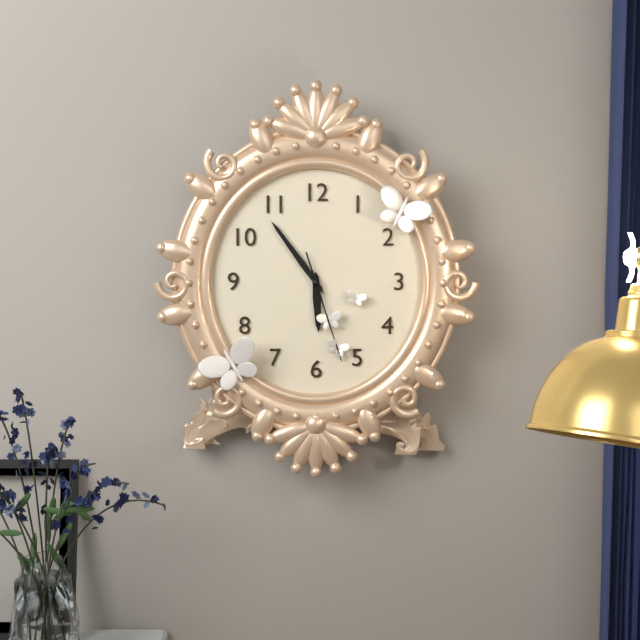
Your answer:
h=5 m=54 s=27
